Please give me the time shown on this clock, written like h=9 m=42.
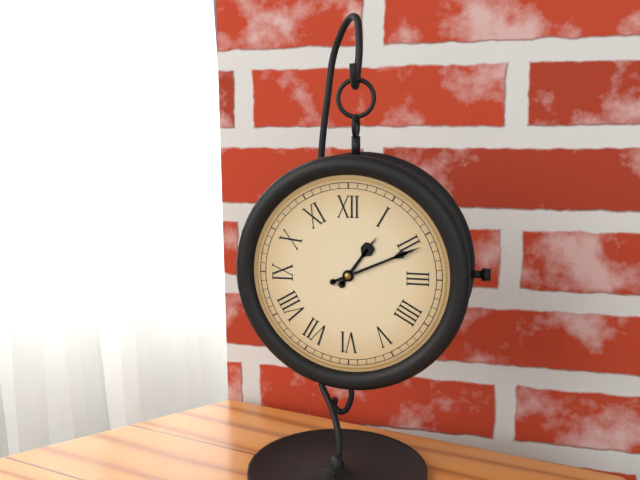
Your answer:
h=1 m=11
